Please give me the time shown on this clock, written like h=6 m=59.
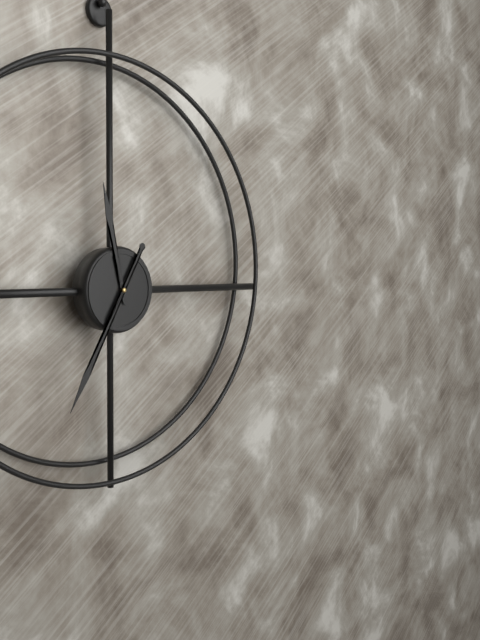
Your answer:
h=11 m=35
